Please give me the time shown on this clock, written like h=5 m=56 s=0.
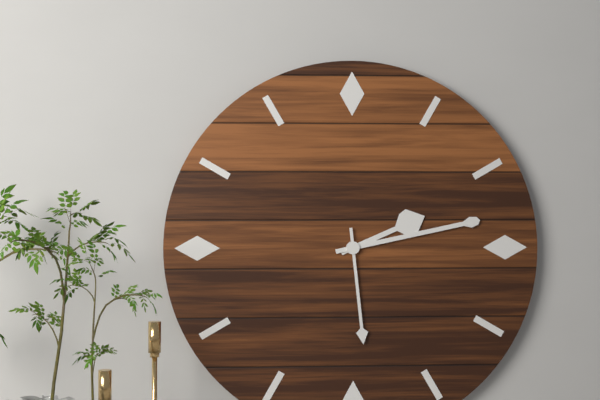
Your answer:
h=2 m=13 s=29
